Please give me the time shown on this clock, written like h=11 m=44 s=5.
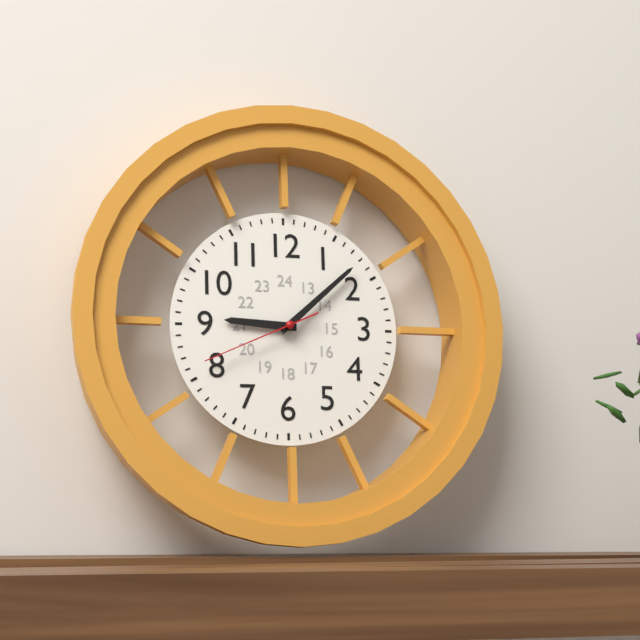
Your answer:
h=9 m=8 s=41
